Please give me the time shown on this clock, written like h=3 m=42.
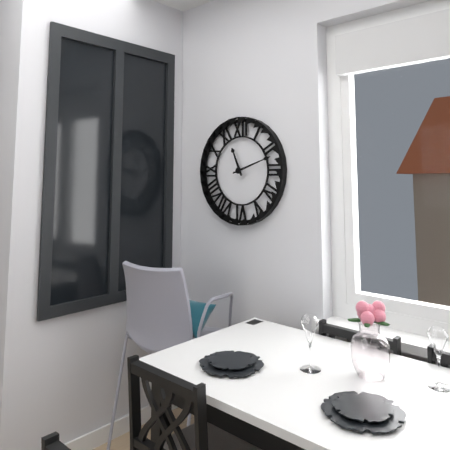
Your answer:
h=11 m=12
